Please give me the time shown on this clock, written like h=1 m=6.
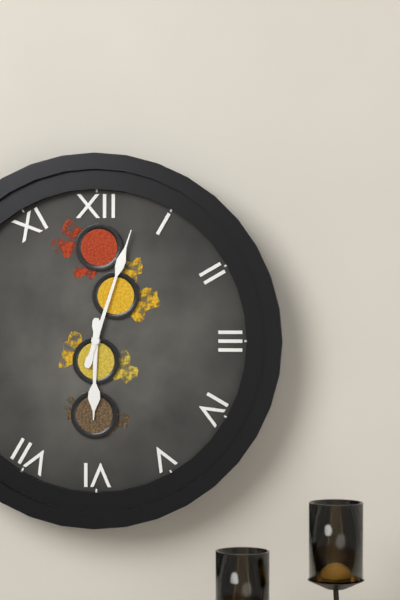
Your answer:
h=6 m=3
